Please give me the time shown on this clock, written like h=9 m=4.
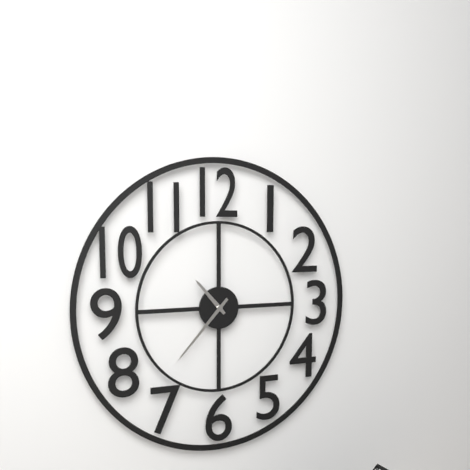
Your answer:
h=10 m=37
